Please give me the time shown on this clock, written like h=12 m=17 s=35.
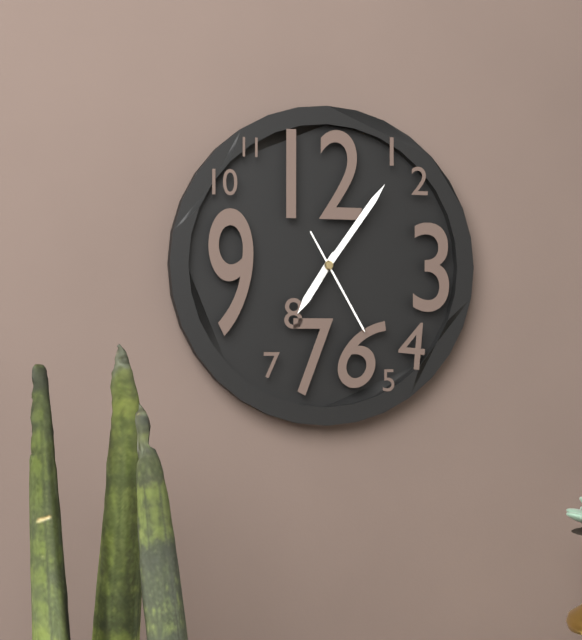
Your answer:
h=7 m=6 s=25
